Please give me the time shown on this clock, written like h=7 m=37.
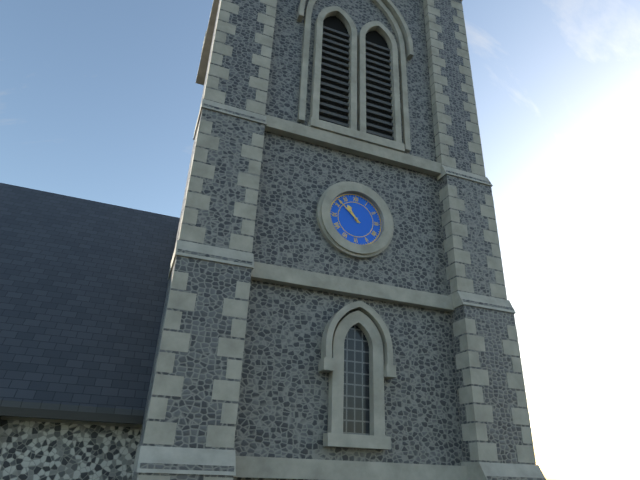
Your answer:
h=10 m=52
